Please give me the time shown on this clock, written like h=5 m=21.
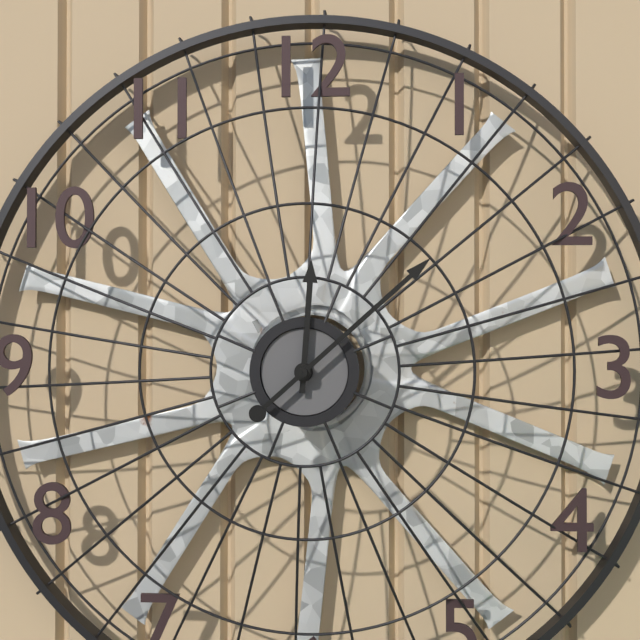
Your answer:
h=12 m=8
